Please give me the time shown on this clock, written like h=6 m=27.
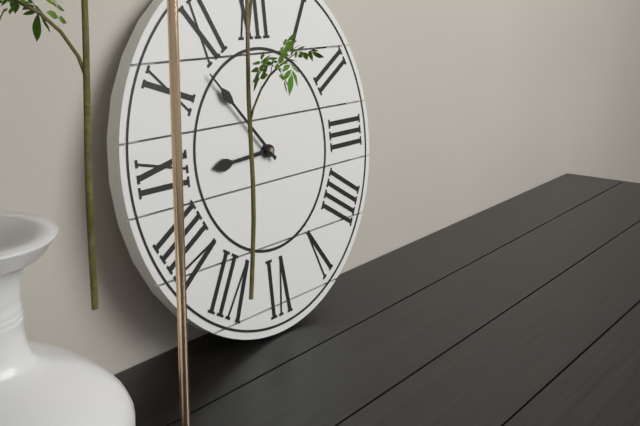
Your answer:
h=8 m=53
